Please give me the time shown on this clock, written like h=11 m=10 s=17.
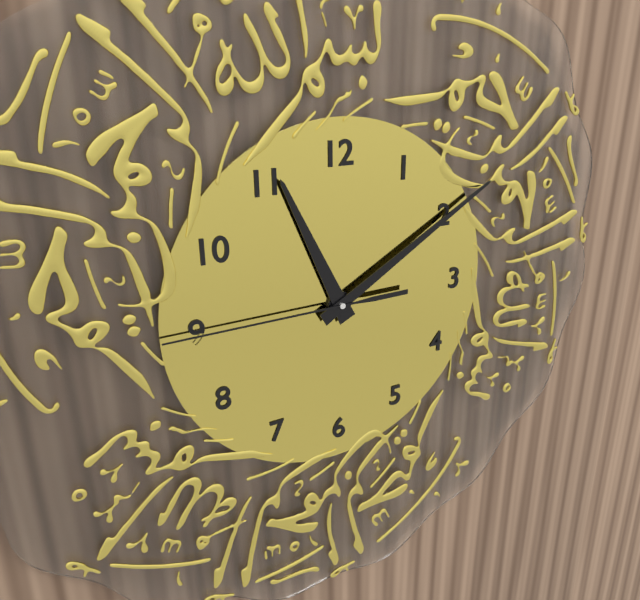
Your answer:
h=11 m=10 s=45
